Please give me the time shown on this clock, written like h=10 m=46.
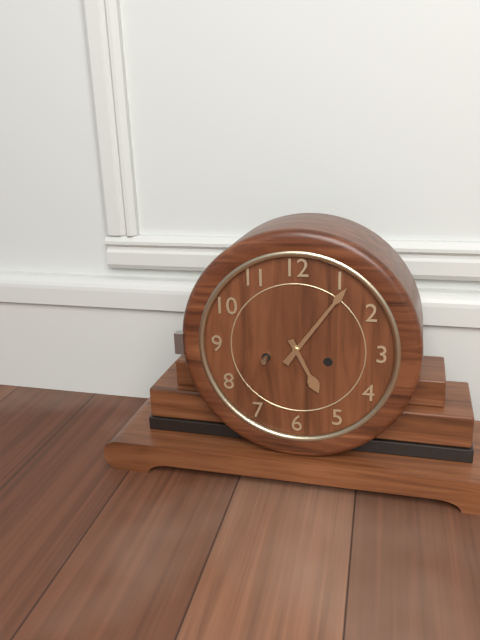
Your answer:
h=5 m=6
